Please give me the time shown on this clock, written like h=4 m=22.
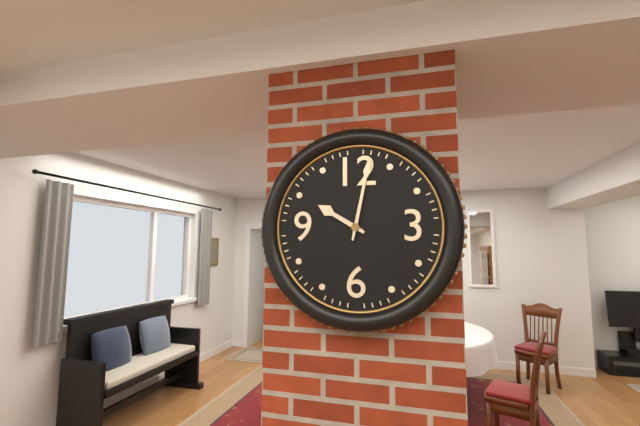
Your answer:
h=10 m=2
